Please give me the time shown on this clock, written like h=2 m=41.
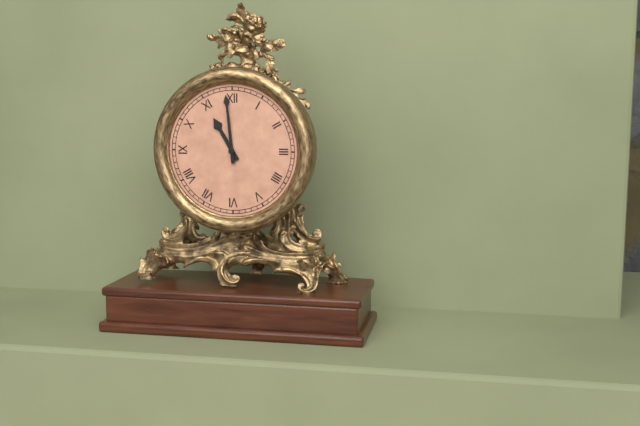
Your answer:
h=10 m=59
